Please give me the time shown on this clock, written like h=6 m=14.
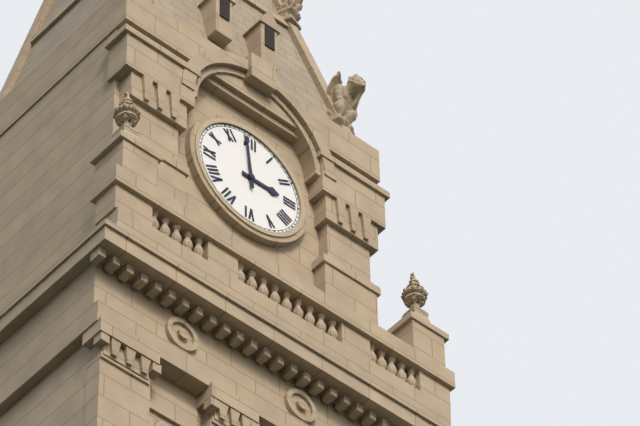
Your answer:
h=2 m=59
